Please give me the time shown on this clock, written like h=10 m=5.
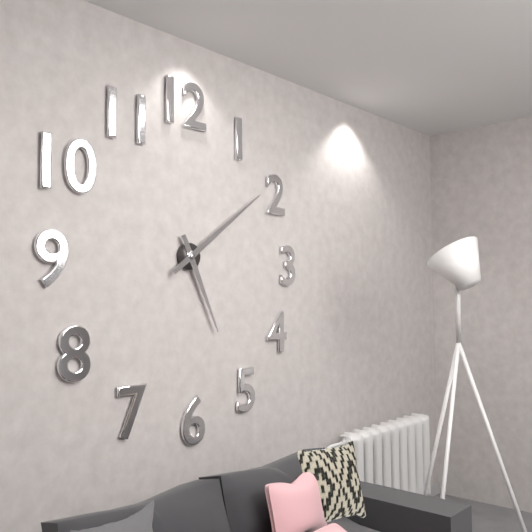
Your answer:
h=5 m=9
